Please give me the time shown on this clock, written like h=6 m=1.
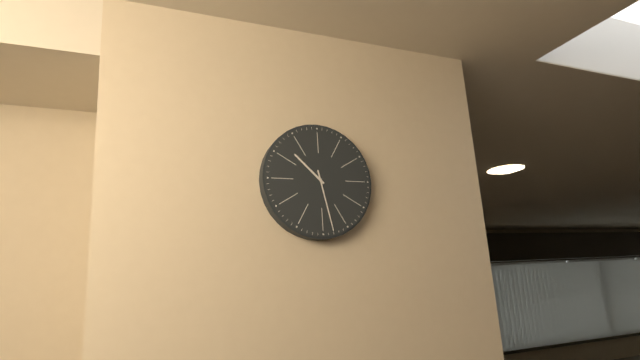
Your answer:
h=10 m=28
